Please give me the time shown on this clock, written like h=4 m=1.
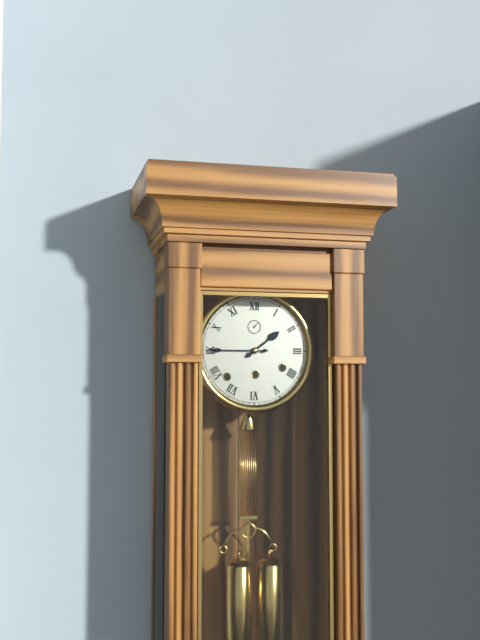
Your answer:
h=1 m=45
